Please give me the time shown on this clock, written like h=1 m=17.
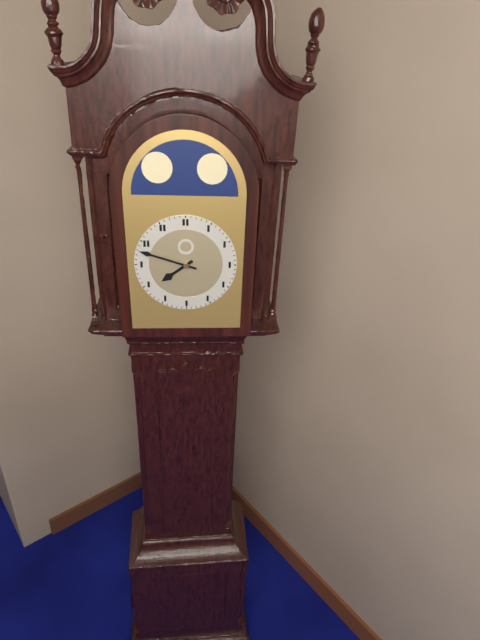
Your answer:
h=7 m=48
